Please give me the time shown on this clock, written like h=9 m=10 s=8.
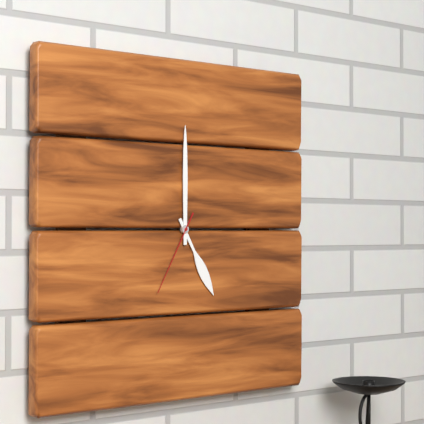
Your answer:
h=5 m=0 s=35
